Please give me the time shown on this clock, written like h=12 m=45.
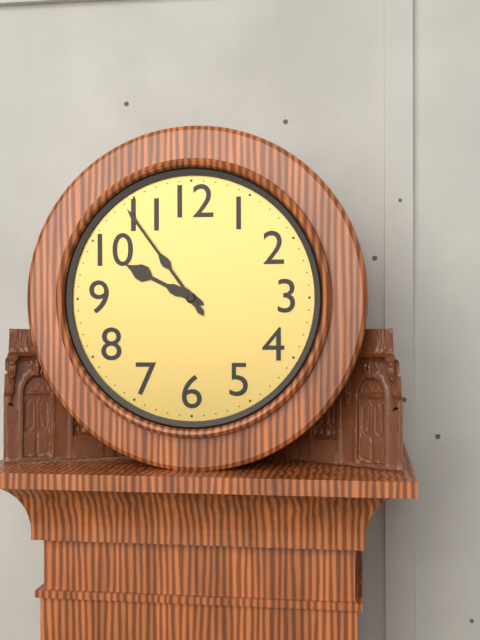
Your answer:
h=9 m=54
